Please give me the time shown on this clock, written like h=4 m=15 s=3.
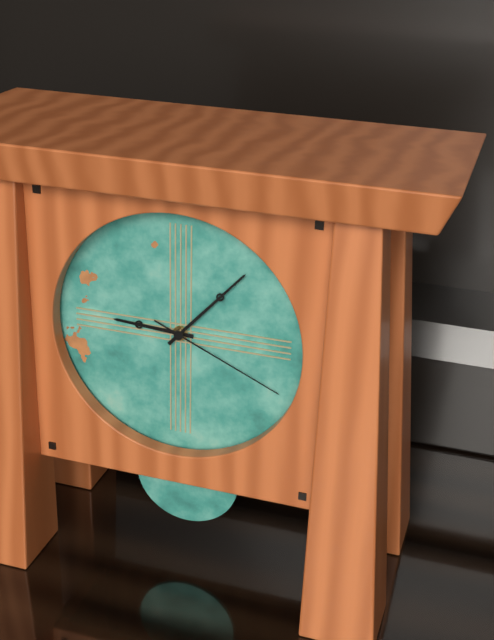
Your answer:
h=9 m=7 s=19
